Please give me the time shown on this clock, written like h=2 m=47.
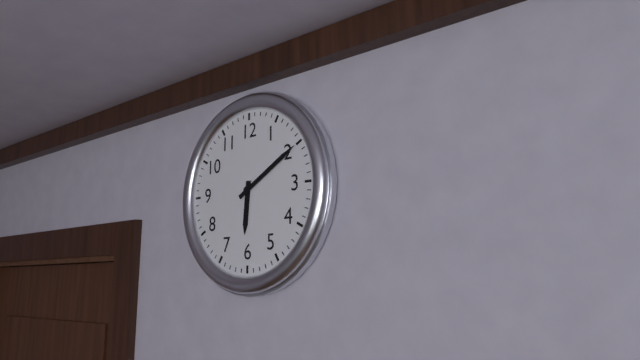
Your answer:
h=6 m=10
